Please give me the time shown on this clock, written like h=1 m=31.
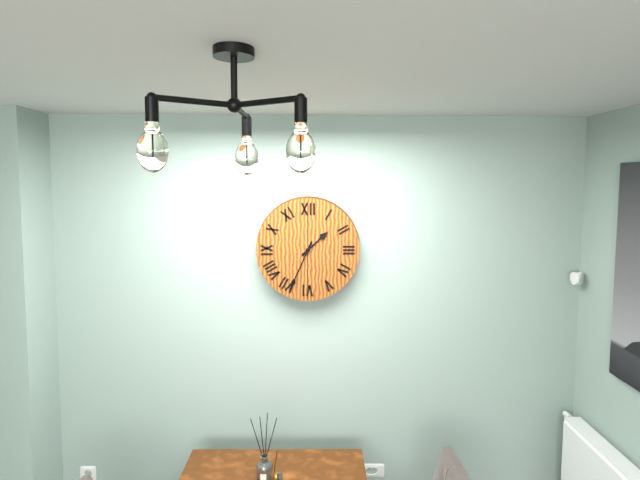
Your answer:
h=1 m=34
